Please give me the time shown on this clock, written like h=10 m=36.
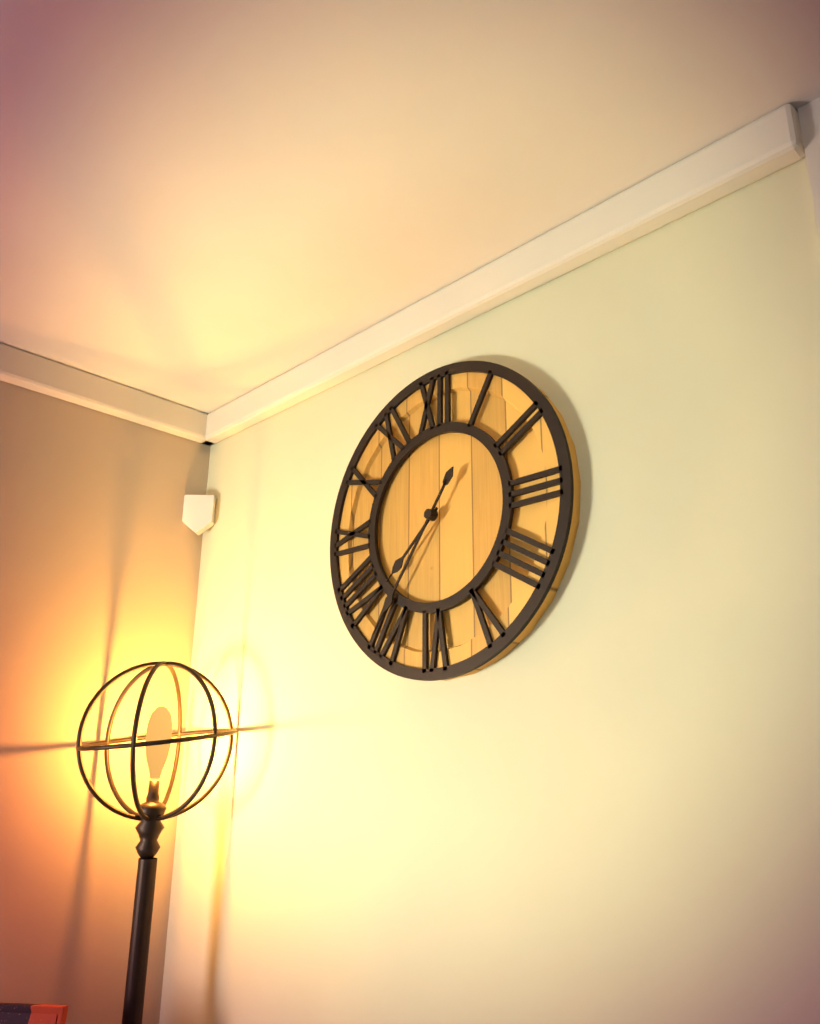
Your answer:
h=7 m=36
